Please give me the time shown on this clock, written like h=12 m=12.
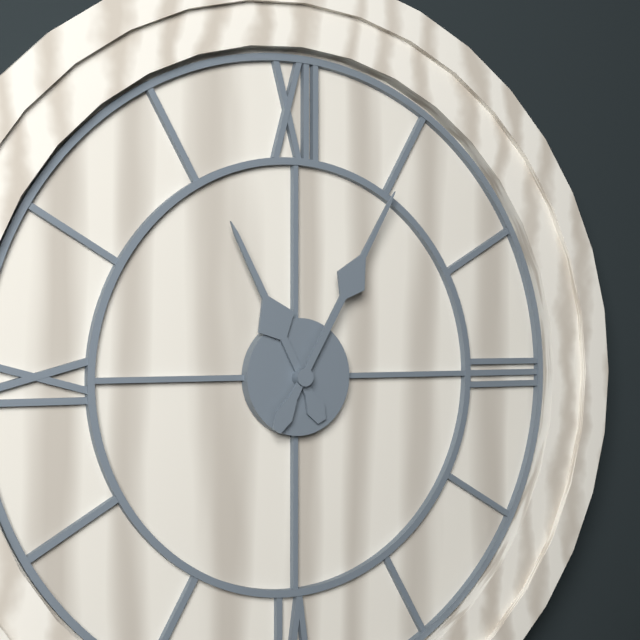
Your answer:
h=11 m=5
